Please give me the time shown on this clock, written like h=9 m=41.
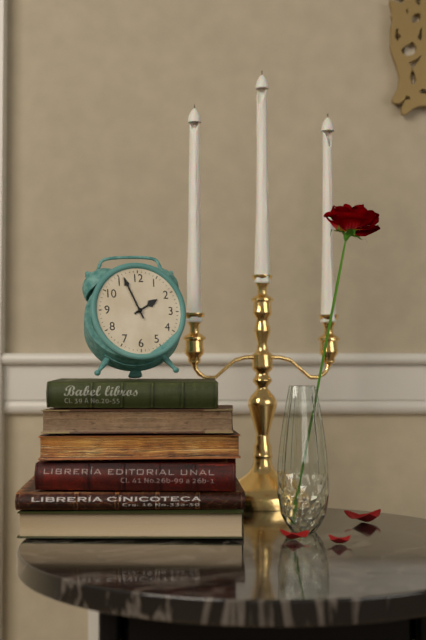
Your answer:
h=1 m=56
